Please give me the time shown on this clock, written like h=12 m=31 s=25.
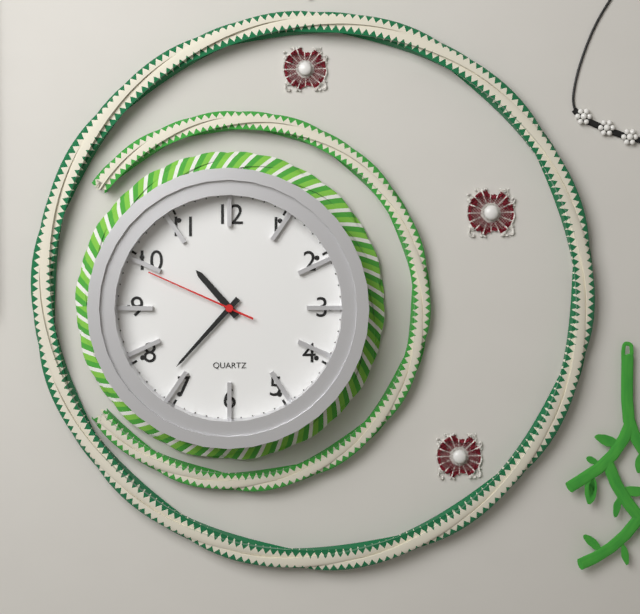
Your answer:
h=10 m=37 s=49
